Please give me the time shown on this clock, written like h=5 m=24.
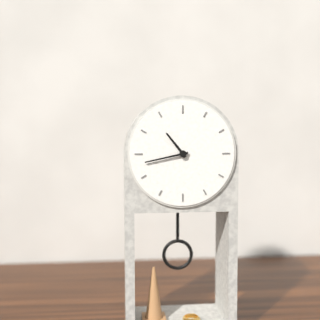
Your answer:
h=10 m=43
